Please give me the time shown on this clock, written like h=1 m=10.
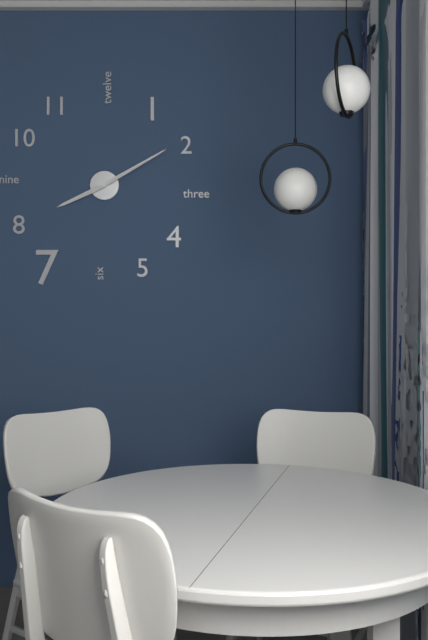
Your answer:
h=8 m=10
